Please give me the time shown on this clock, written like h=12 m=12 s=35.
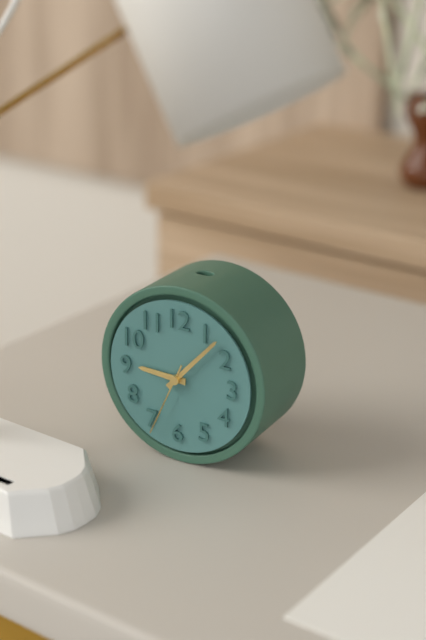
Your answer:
h=9 m=7 s=34
